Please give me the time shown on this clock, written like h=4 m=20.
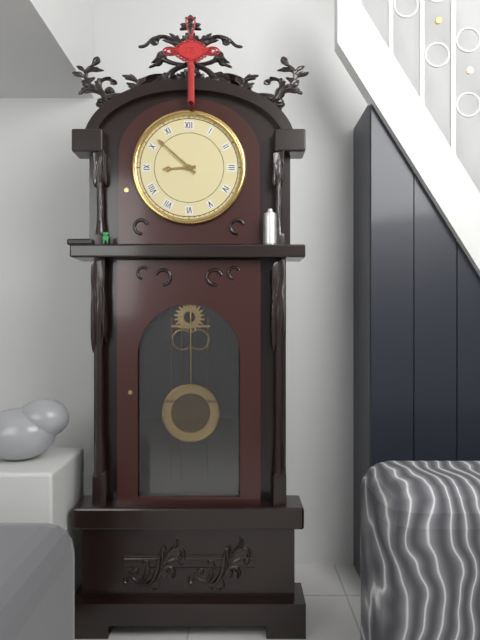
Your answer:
h=8 m=52
